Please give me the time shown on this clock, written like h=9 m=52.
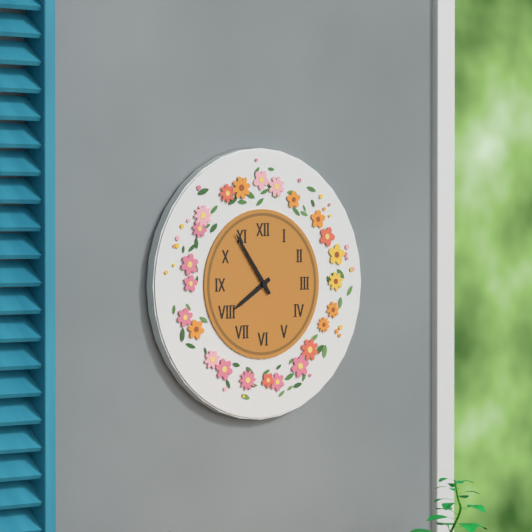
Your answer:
h=7 m=54
